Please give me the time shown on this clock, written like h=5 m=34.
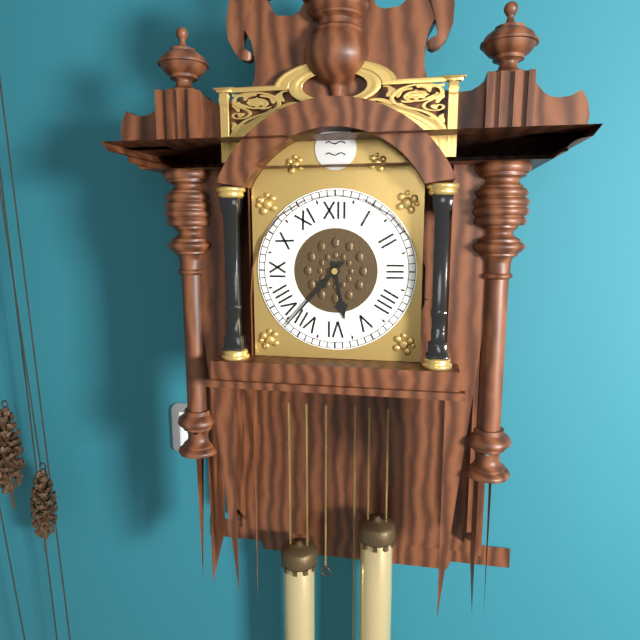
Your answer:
h=5 m=37
